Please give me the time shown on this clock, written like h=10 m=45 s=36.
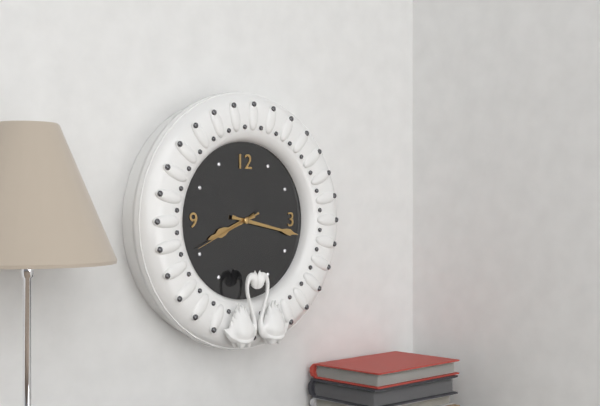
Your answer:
h=8 m=17 s=41
